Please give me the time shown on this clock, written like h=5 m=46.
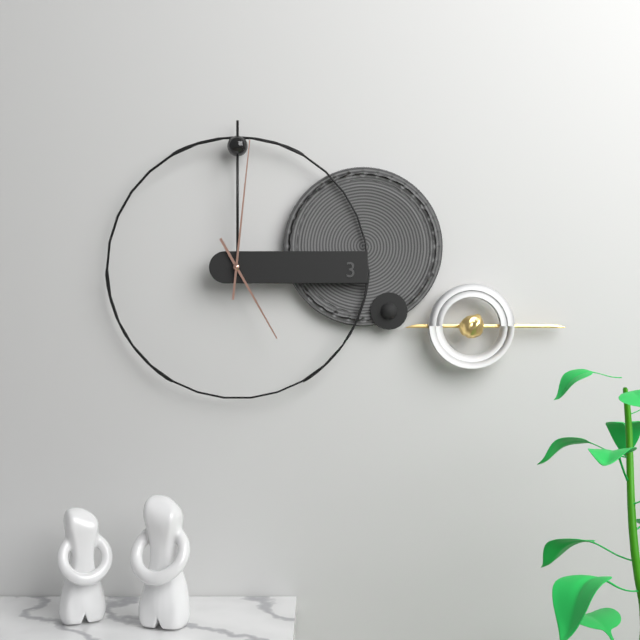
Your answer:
h=5 m=1
